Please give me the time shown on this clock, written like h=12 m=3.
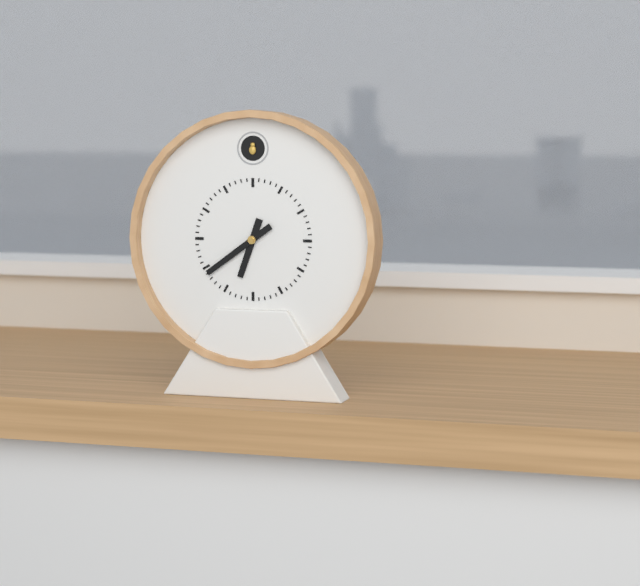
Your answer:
h=6 m=39
